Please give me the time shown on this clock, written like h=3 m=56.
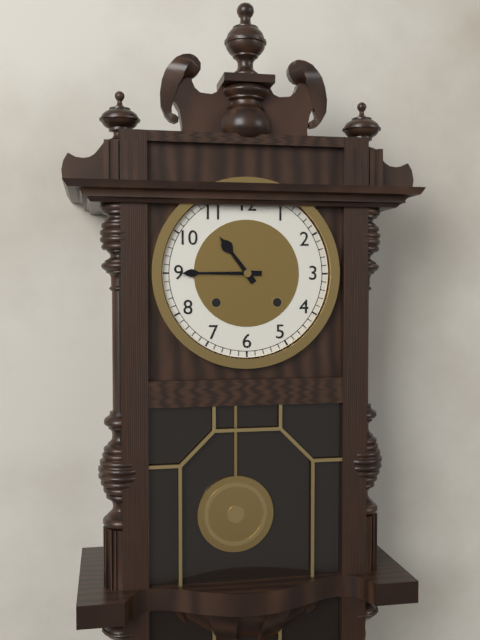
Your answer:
h=10 m=45
